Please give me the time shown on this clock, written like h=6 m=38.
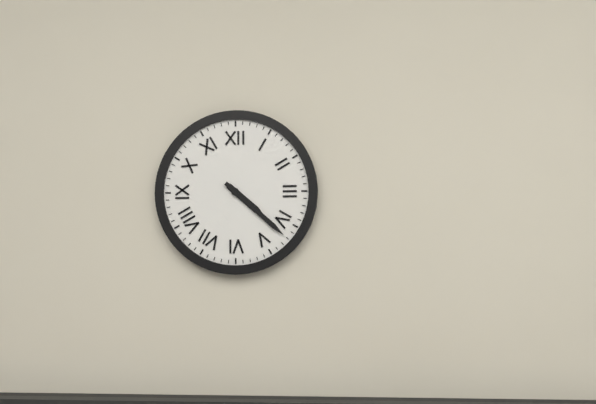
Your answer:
h=4 m=22
